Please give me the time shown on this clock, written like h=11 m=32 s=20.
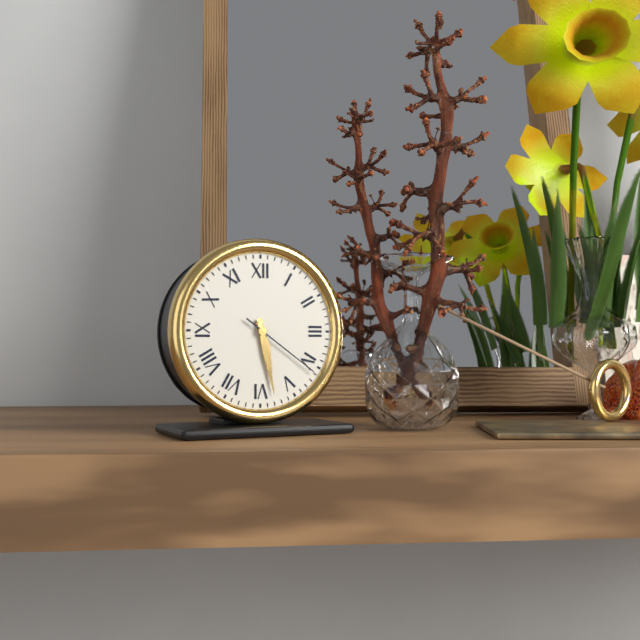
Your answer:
h=5 m=28 s=21
